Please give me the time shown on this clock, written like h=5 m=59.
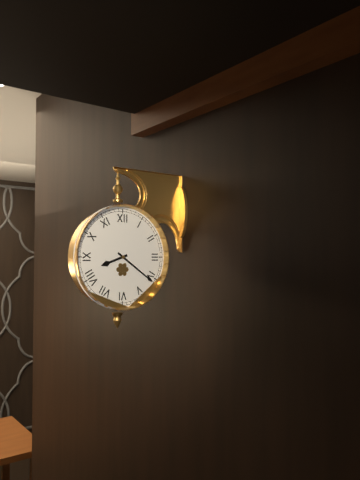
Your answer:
h=8 m=21
